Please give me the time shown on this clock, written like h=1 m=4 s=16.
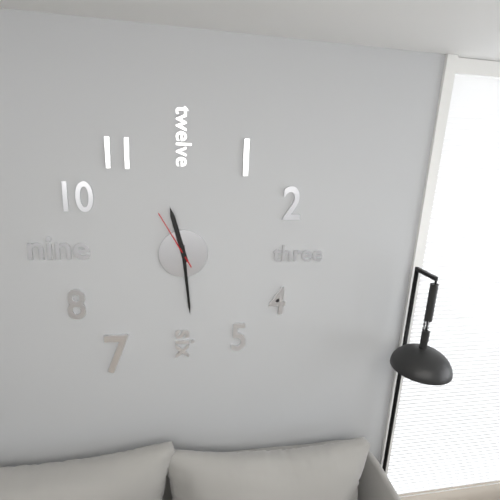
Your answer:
h=11 m=29 s=55
